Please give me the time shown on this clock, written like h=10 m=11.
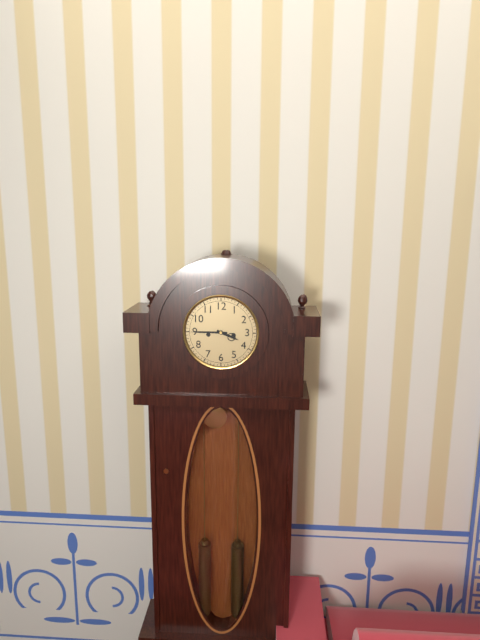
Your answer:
h=3 m=45
